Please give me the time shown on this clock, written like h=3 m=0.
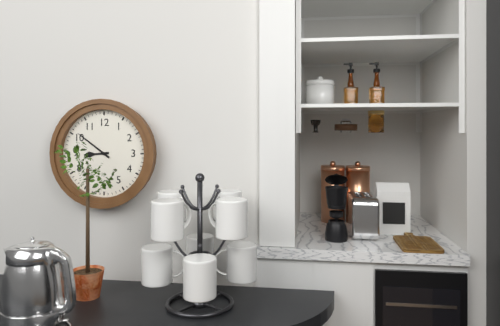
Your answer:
h=8 m=51
